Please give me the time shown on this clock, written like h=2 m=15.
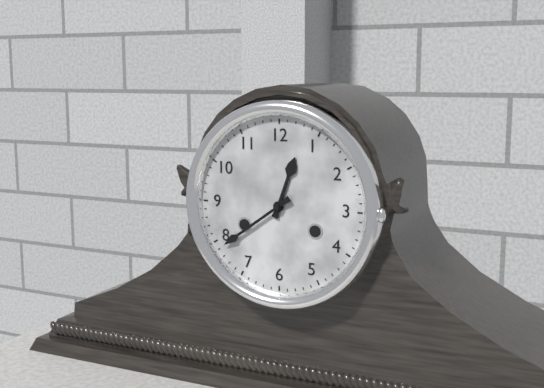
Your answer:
h=12 m=39
